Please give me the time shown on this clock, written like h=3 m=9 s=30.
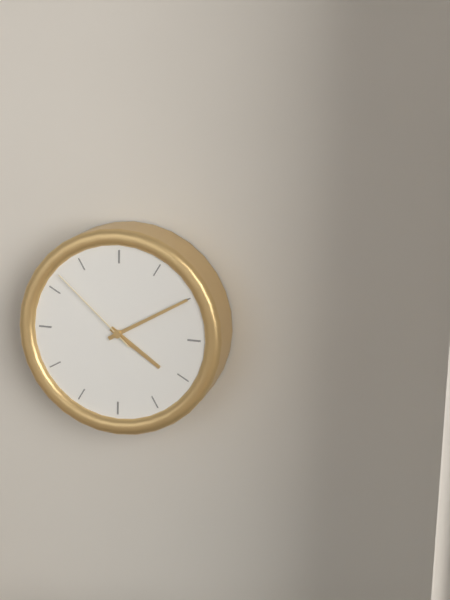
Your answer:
h=4 m=10 s=52
